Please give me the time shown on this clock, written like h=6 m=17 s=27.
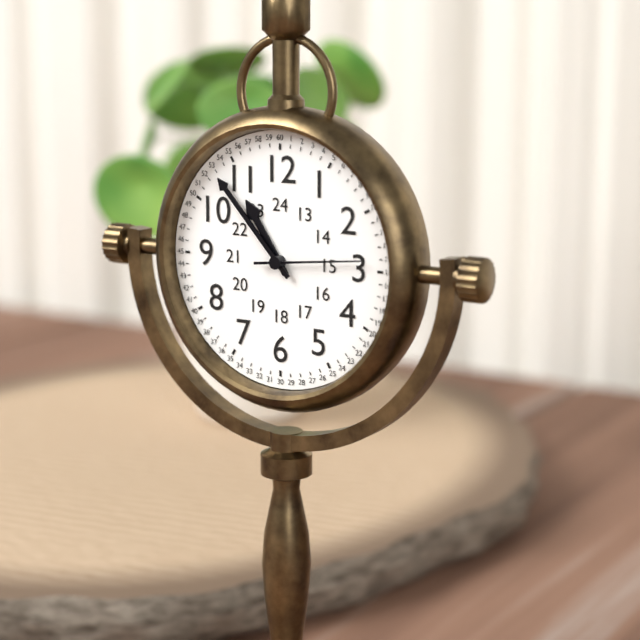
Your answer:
h=10 m=53 s=14
